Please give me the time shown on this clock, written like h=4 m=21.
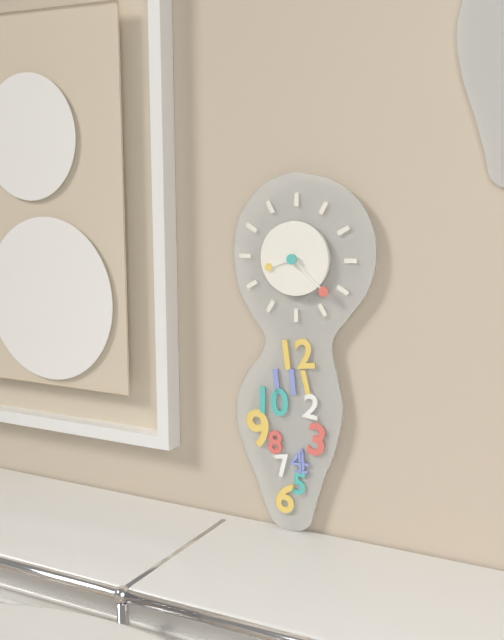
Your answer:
h=8 m=22
